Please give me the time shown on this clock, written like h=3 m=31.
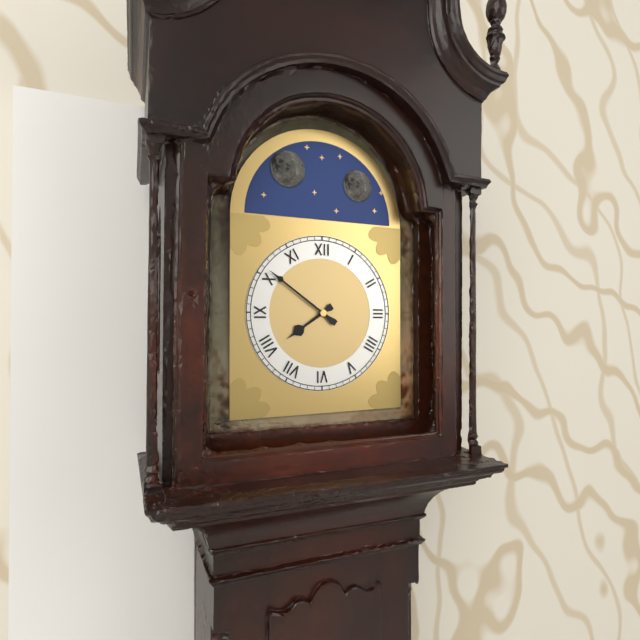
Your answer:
h=7 m=51
